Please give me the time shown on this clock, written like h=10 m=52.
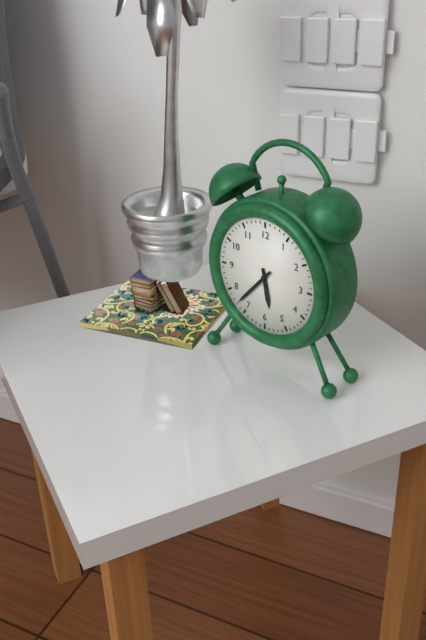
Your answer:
h=5 m=37
